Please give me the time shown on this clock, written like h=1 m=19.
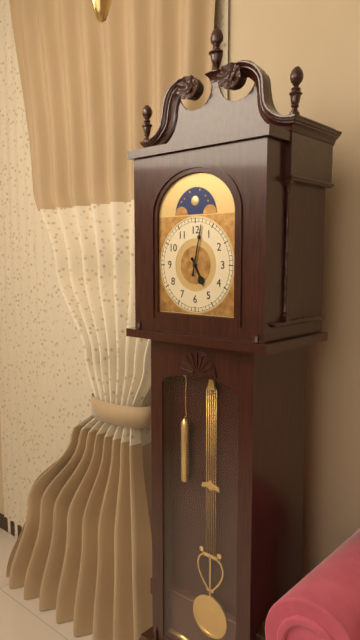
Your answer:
h=5 m=2
